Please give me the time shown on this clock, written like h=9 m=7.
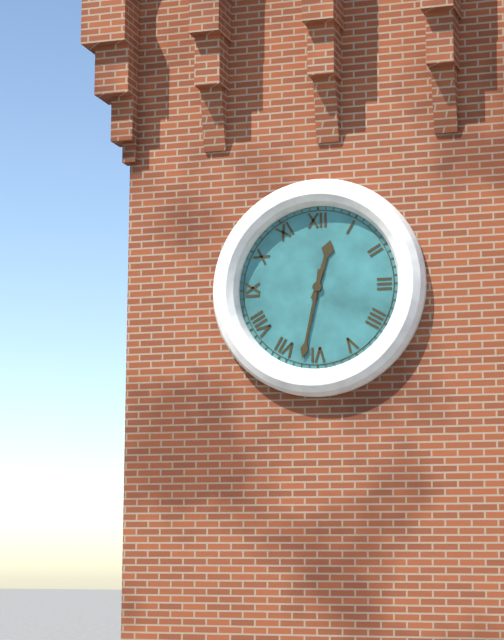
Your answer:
h=12 m=32
